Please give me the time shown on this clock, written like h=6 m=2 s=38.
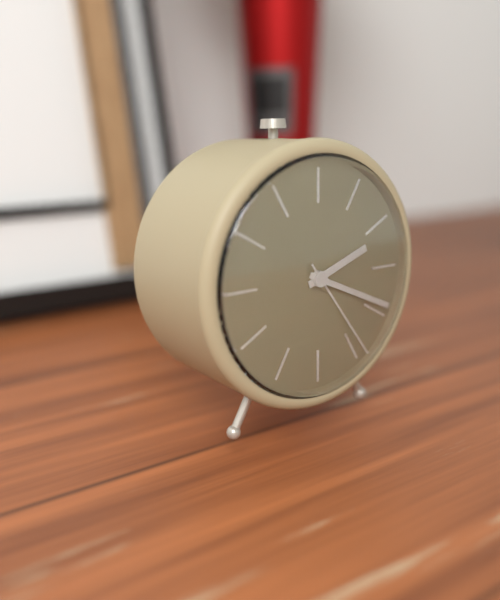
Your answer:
h=2 m=19 s=24
